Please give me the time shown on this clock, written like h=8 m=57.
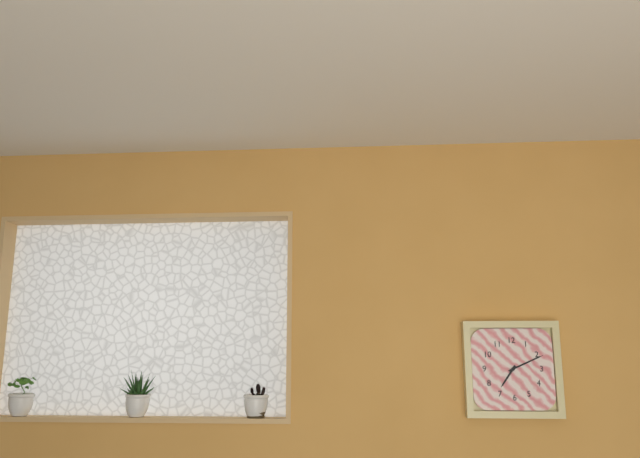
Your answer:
h=7 m=11
